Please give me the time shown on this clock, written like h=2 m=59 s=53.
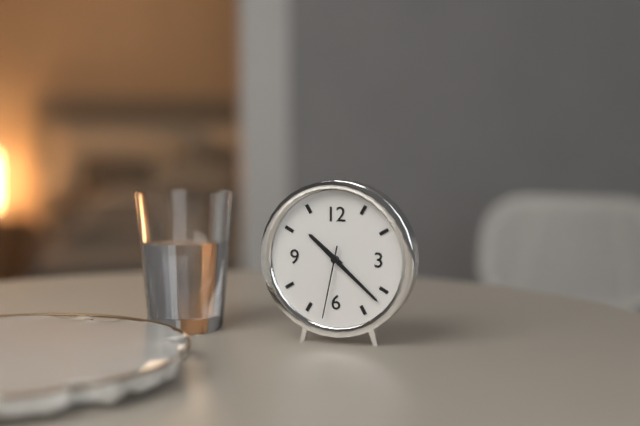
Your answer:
h=10 m=22 s=32
